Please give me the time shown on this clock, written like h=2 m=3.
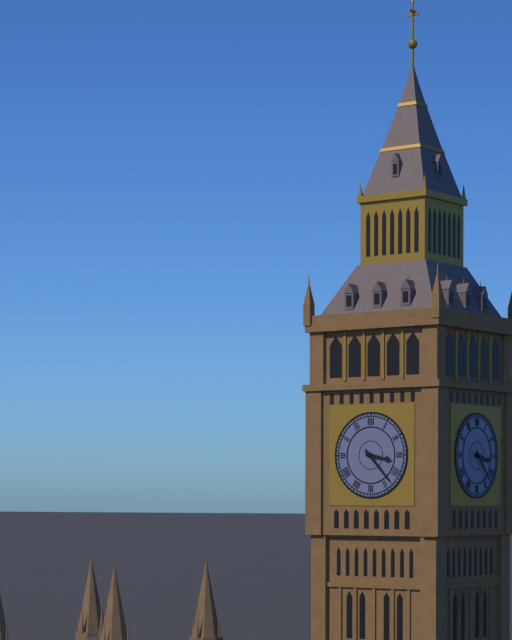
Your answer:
h=3 m=23
